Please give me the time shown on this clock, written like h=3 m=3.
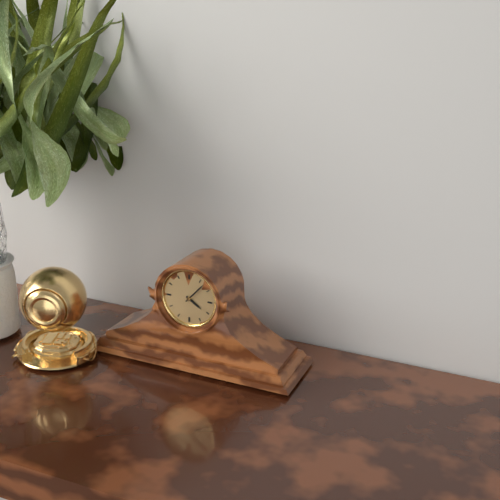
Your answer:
h=4 m=7
